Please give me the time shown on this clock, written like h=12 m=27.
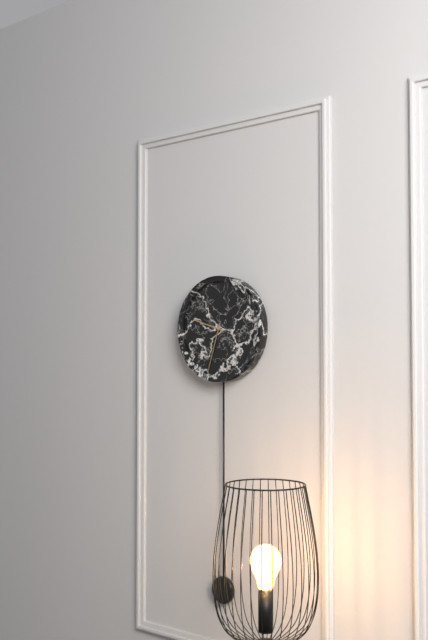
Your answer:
h=9 m=33
